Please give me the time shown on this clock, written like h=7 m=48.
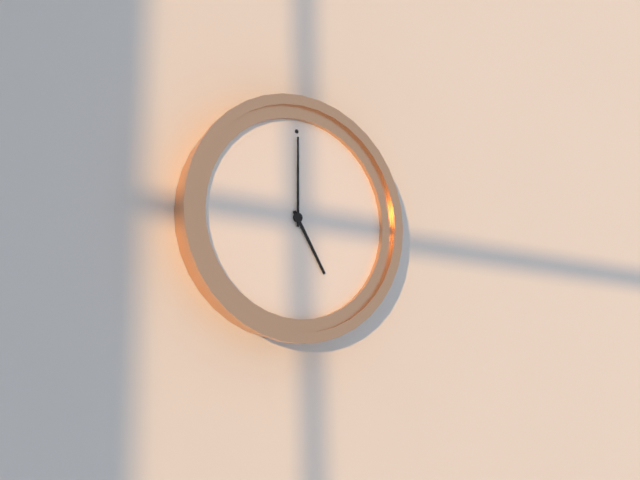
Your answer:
h=5 m=0
